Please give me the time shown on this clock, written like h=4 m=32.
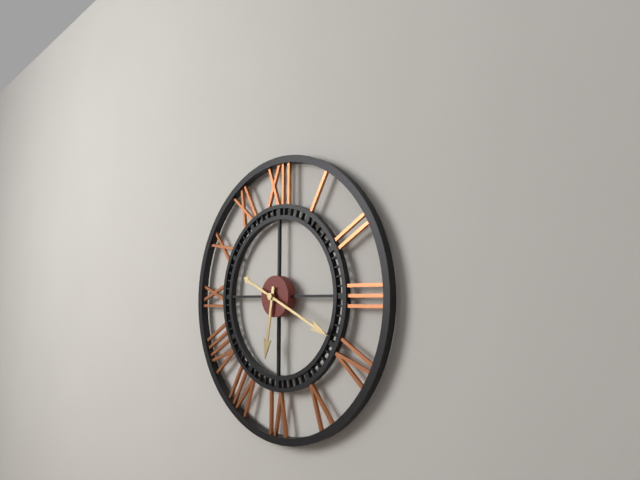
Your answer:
h=6 m=19
